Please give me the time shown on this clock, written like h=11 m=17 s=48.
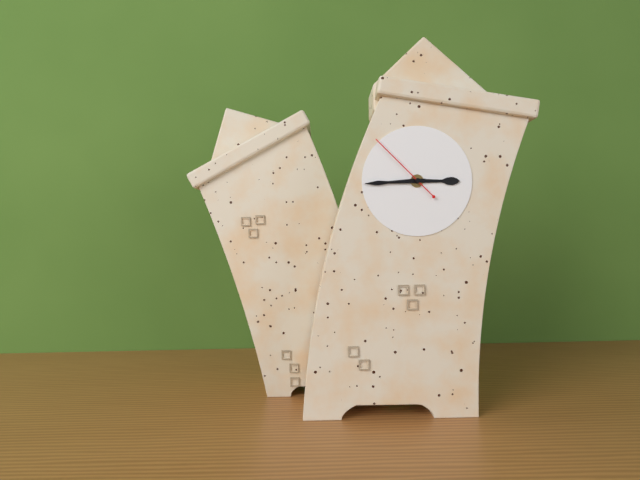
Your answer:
h=2 m=43 s=51
